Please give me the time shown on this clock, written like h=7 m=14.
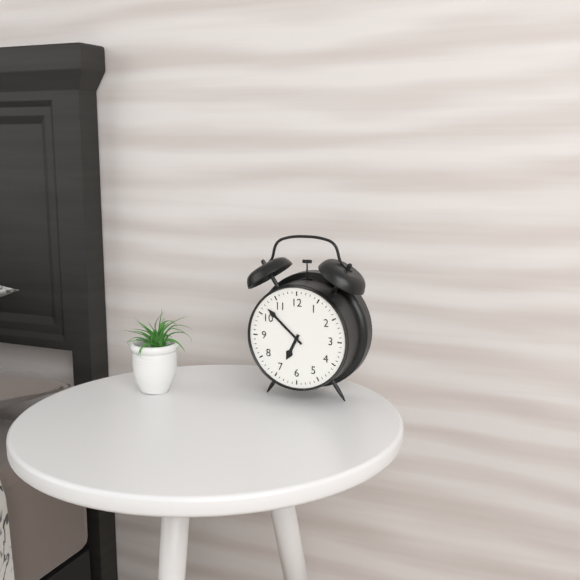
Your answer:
h=6 m=52
